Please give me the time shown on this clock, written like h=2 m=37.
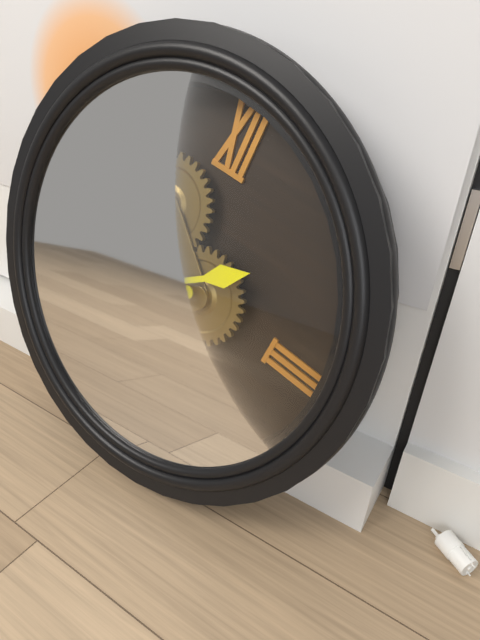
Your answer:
h=1 m=42
